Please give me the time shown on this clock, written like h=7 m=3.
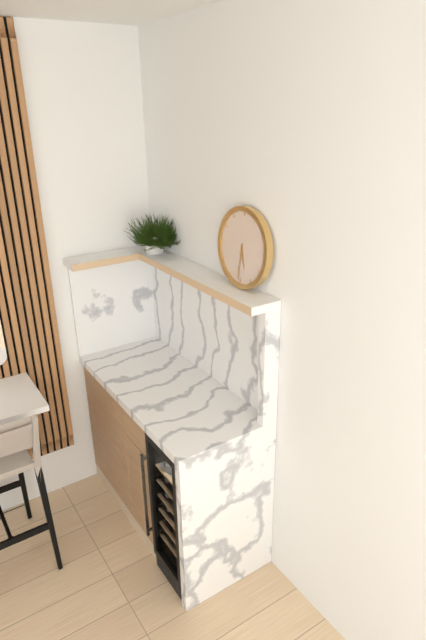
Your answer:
h=5 m=31
